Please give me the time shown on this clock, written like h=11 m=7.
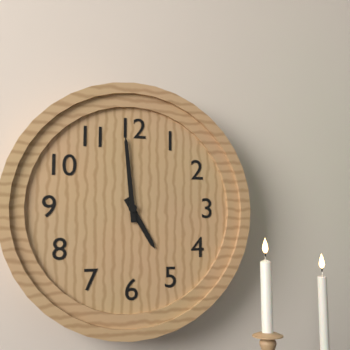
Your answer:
h=4 m=59
